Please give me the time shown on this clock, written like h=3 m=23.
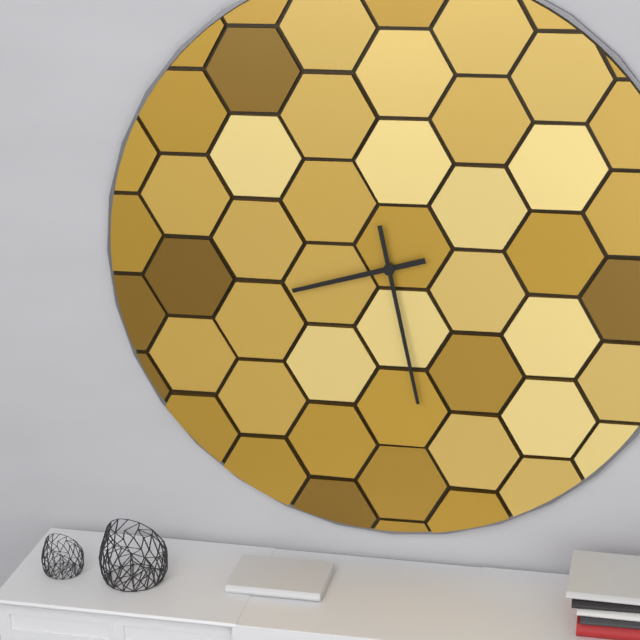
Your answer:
h=8 m=28
